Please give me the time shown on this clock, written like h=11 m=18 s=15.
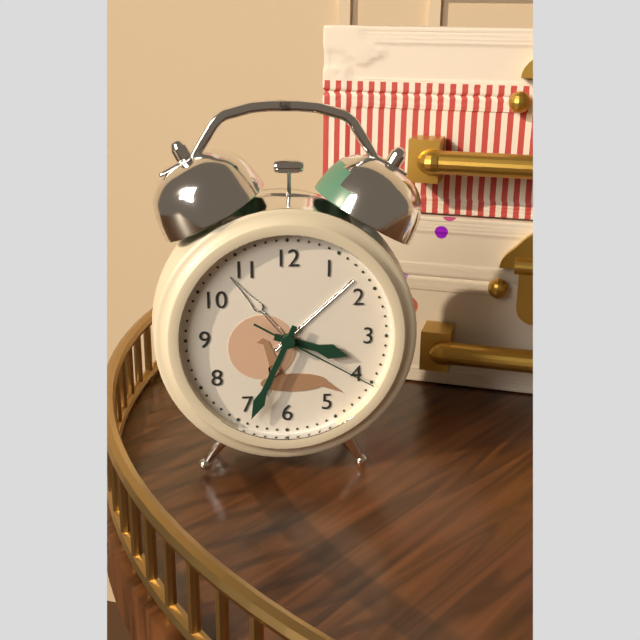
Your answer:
h=3 m=34 s=20
